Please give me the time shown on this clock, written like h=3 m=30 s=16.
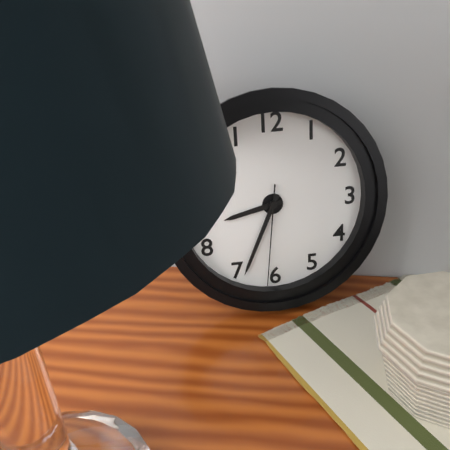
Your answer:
h=8 m=34 s=31
